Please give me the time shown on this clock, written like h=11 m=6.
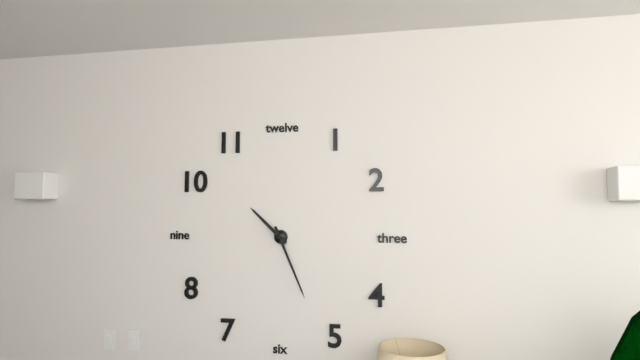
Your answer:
h=10 m=26
